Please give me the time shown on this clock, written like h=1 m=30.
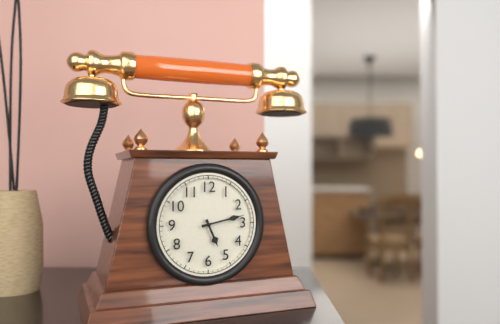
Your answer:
h=5 m=13
